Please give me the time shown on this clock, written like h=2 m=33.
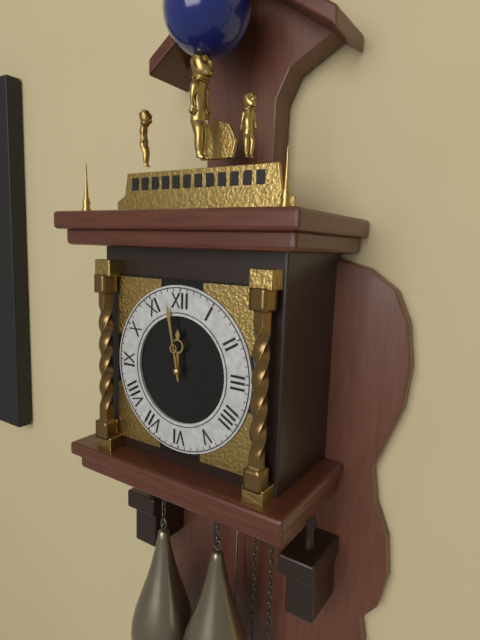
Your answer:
h=11 m=58
